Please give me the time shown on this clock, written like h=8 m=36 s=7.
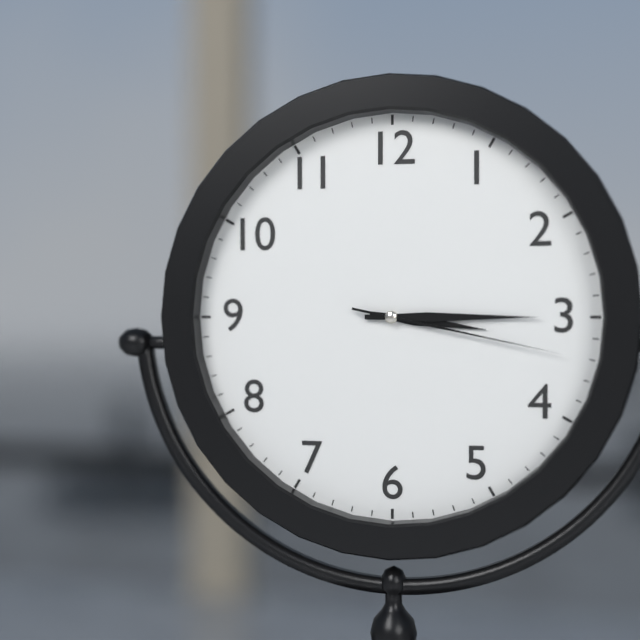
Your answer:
h=3 m=15 s=17
